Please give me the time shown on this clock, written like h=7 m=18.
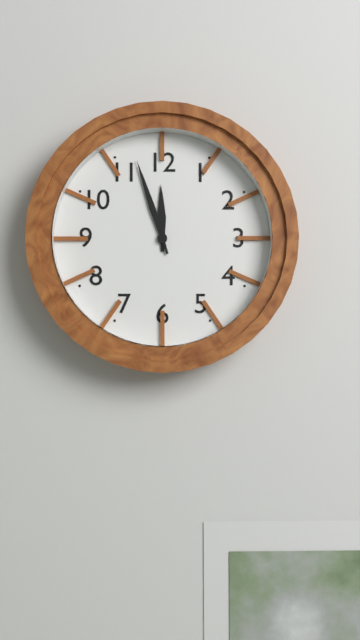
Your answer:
h=11 m=57
